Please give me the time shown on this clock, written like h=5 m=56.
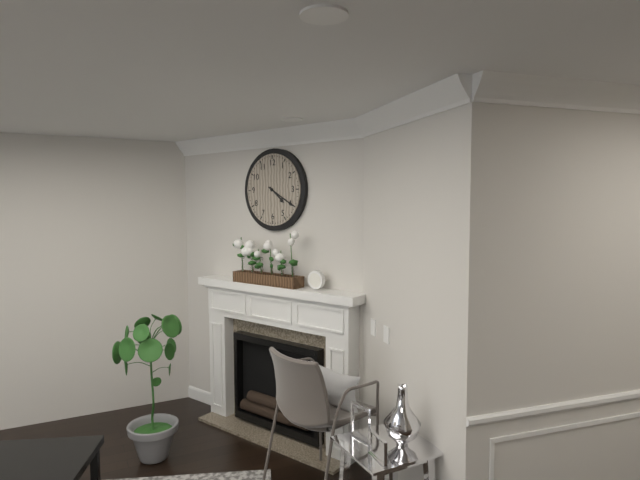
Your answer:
h=4 m=20
